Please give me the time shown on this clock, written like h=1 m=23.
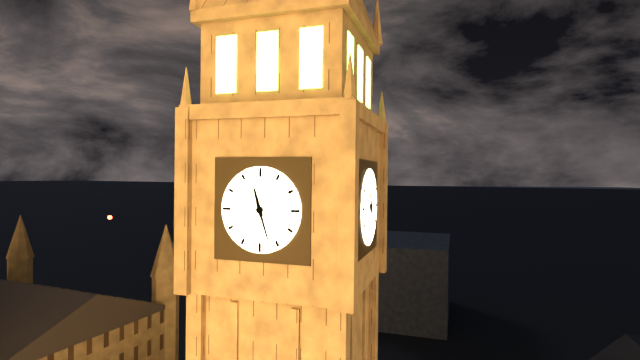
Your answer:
h=11 m=27
